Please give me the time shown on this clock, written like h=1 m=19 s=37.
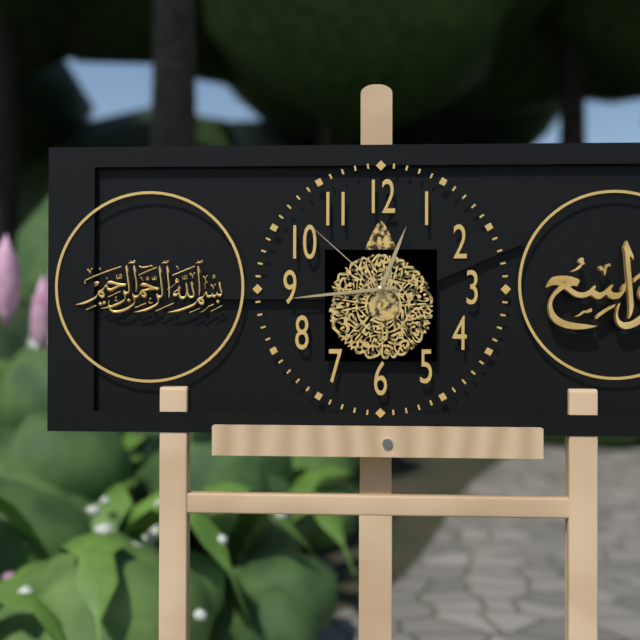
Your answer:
h=12 m=44 s=52
